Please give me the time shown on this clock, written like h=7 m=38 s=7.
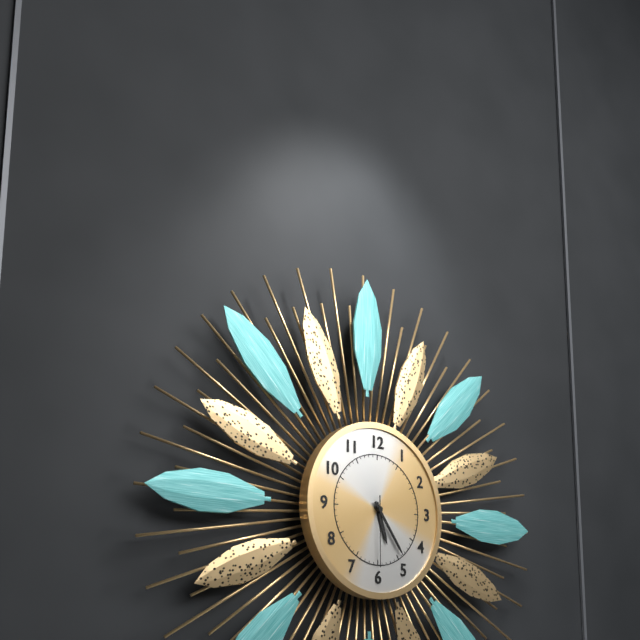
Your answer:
h=5 m=24 s=30
